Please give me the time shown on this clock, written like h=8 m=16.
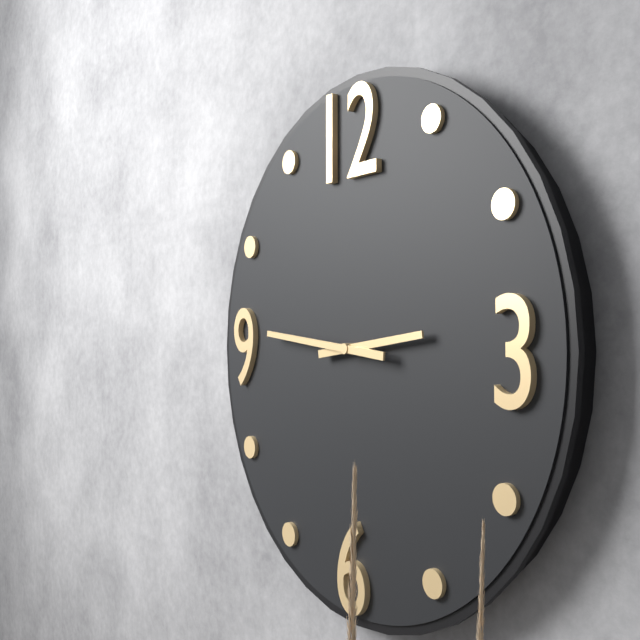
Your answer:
h=2 m=46
